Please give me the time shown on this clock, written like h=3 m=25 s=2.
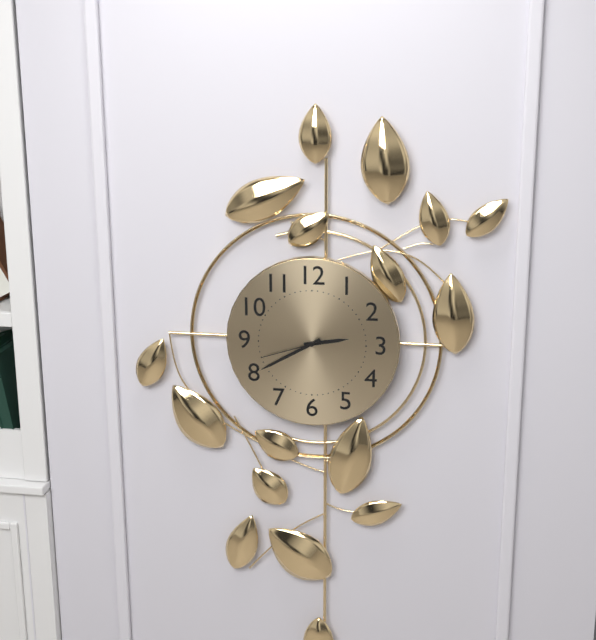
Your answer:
h=2 m=40 s=42
